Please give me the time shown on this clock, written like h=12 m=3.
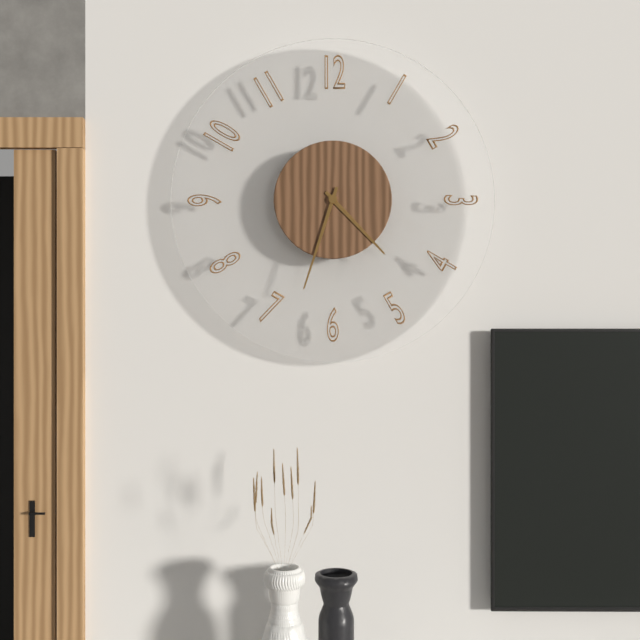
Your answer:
h=4 m=33
